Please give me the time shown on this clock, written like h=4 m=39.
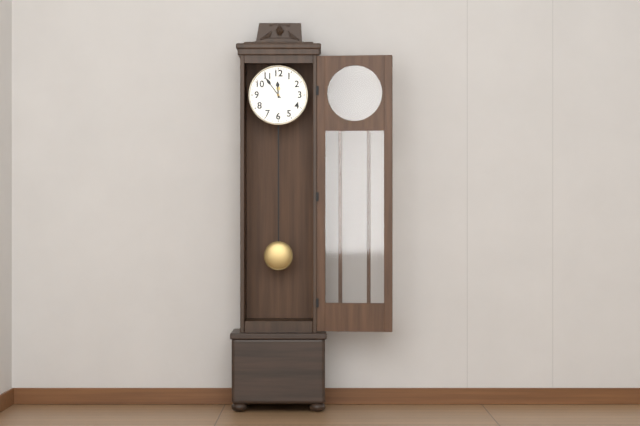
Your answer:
h=11 m=54
